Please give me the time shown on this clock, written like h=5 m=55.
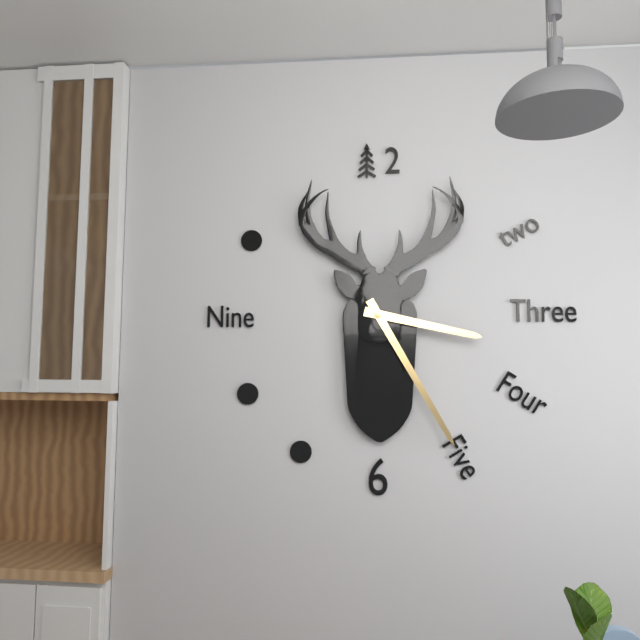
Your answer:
h=3 m=25
